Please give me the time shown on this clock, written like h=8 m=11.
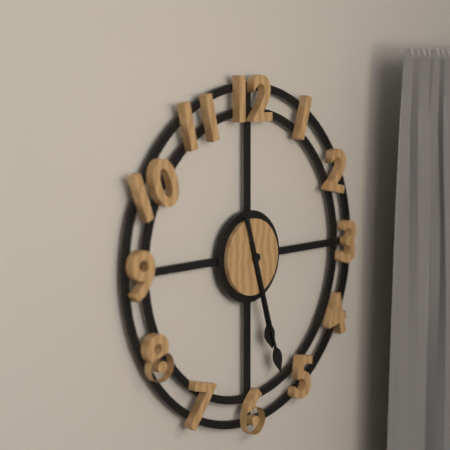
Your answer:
h=5 m=27
